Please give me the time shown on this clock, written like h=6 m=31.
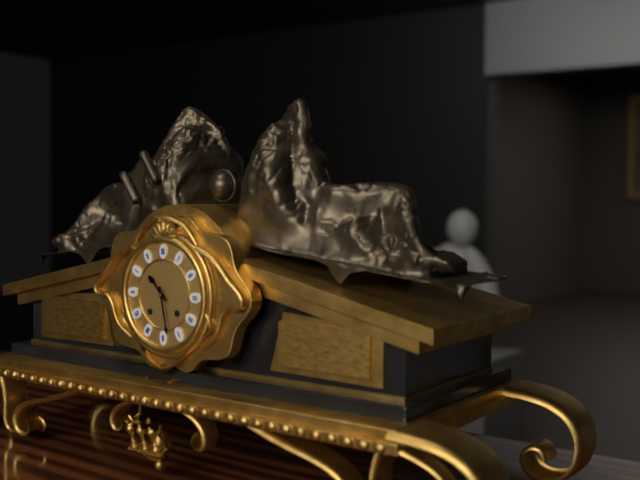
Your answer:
h=10 m=28
